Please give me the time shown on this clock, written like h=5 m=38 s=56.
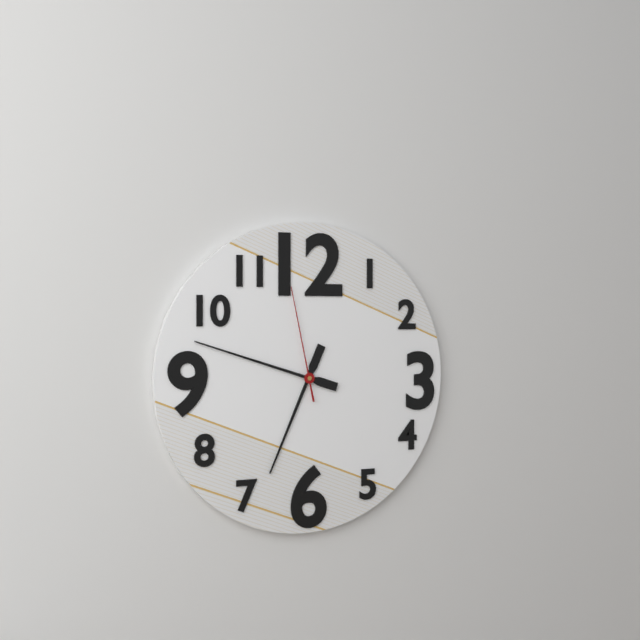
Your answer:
h=6 m=48 s=58
